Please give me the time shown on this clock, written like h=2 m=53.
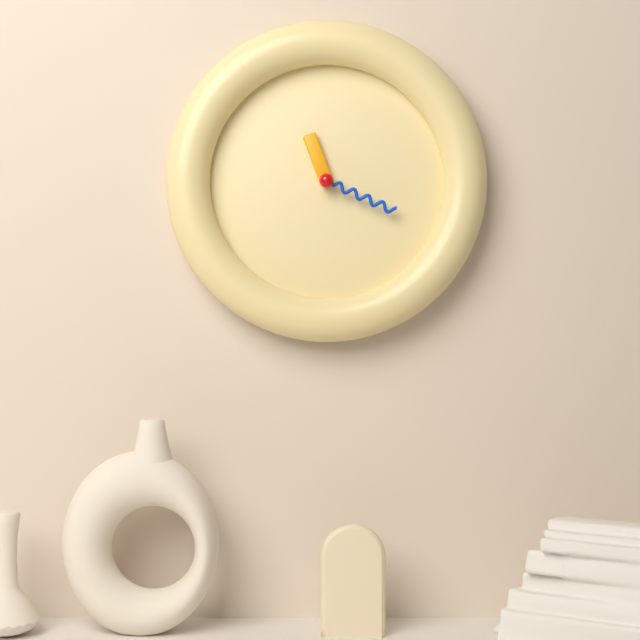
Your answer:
h=11 m=19
